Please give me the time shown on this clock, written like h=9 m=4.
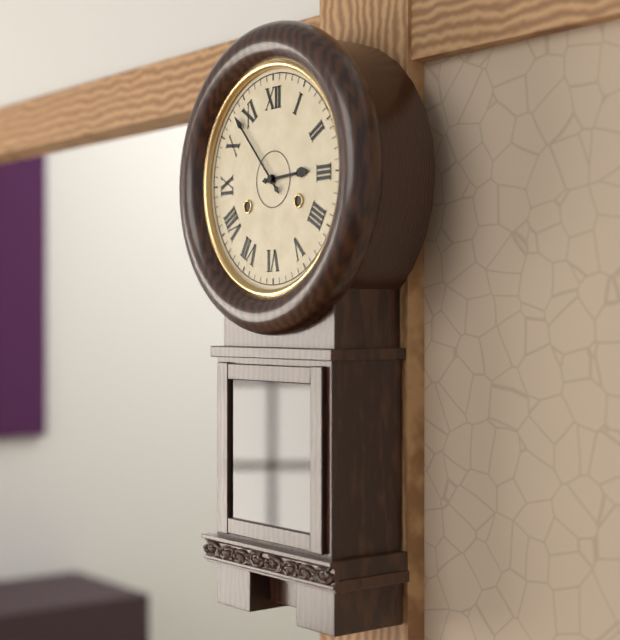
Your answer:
h=2 m=53
